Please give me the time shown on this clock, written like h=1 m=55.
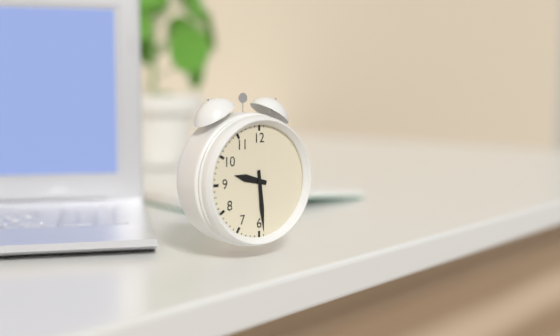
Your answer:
h=9 m=29
